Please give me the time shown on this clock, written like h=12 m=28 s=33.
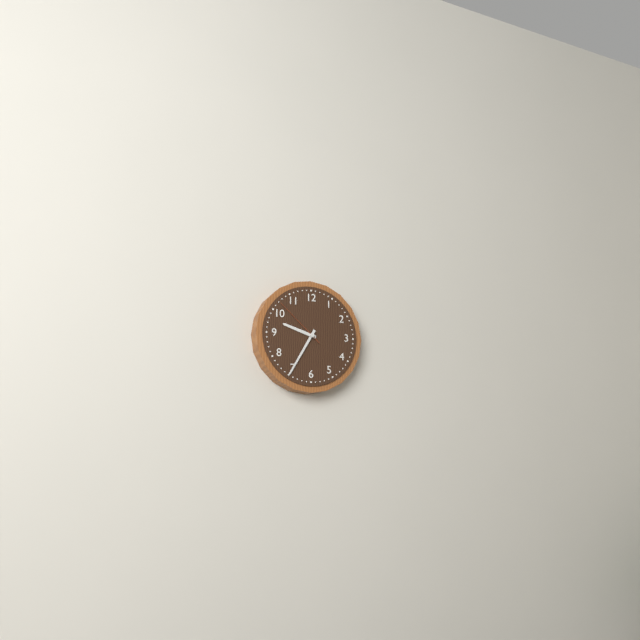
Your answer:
h=9 m=35 s=52
